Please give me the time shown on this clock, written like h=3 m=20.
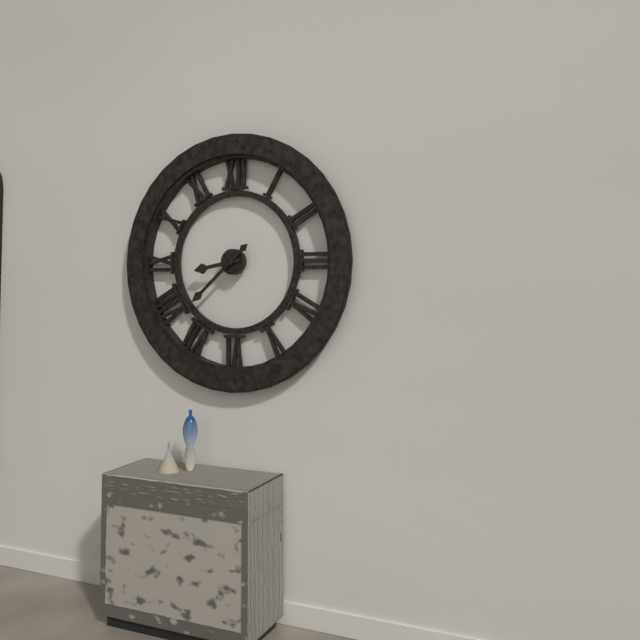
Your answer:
h=8 m=38
